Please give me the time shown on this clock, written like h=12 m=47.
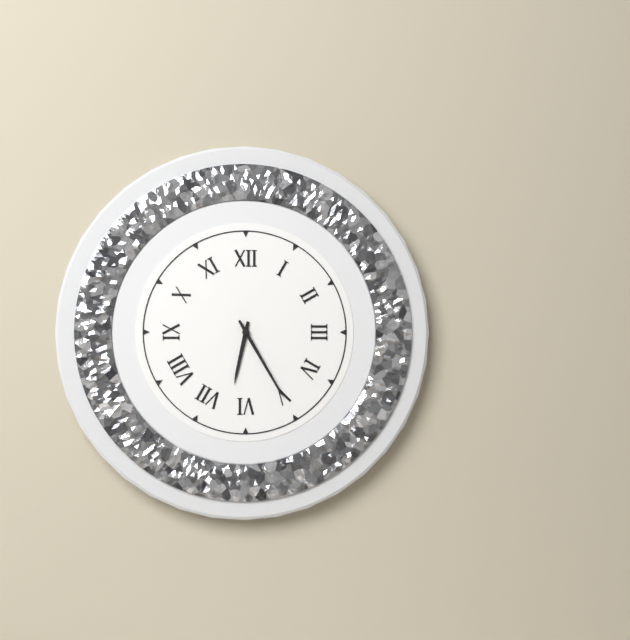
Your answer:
h=6 m=25
